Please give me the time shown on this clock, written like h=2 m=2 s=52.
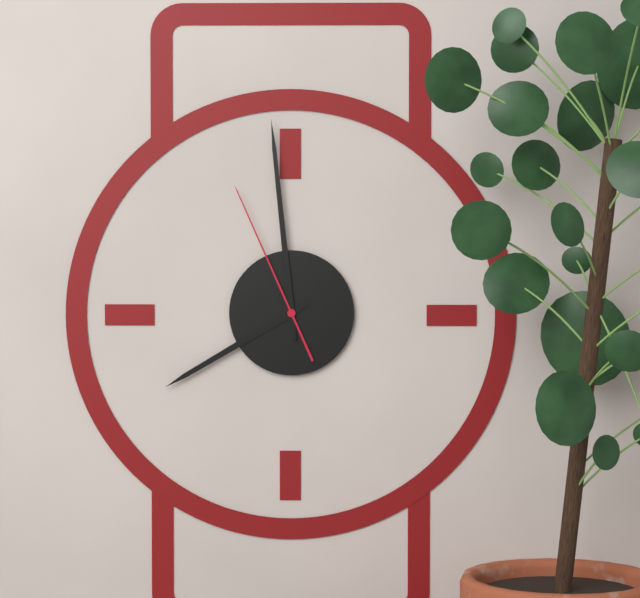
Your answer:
h=7 m=59 s=56
